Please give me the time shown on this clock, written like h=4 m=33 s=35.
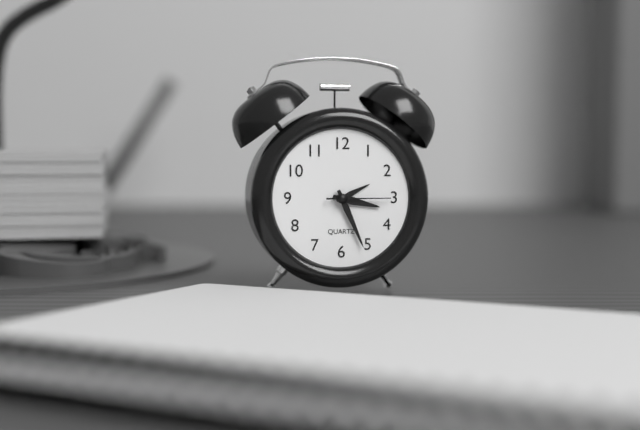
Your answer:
h=3 m=26 s=15
